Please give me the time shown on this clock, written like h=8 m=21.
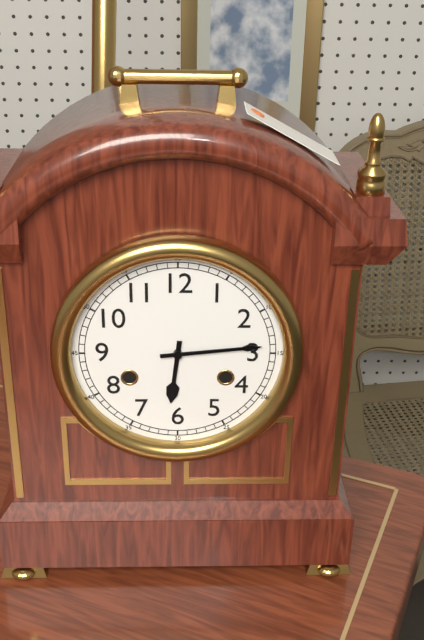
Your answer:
h=6 m=14
